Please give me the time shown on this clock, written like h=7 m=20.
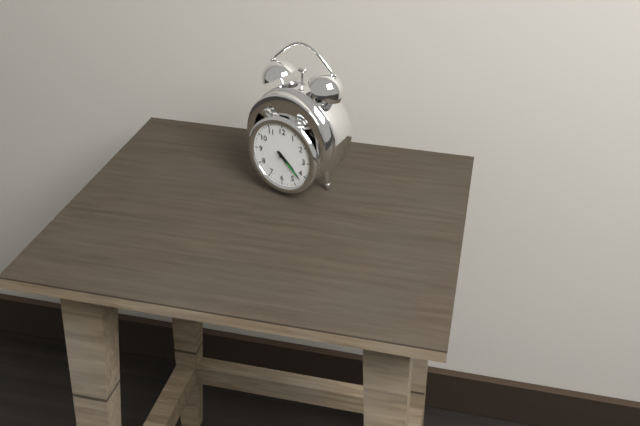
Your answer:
h=4 m=22
